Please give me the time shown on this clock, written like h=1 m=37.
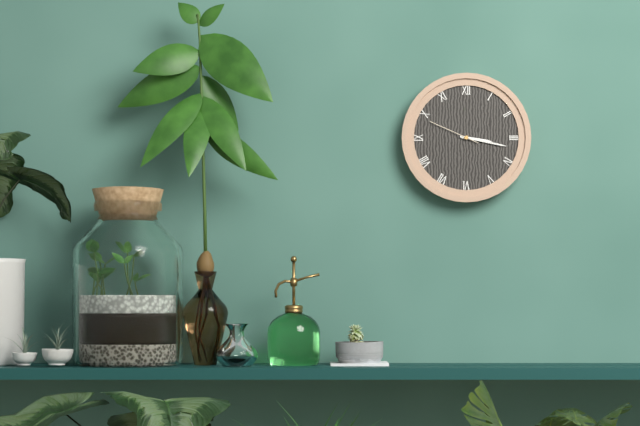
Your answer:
h=3 m=17
